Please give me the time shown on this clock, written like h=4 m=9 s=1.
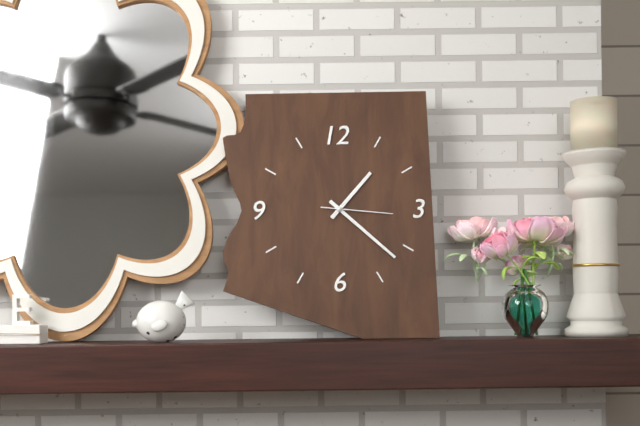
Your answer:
h=1 m=22 s=16
